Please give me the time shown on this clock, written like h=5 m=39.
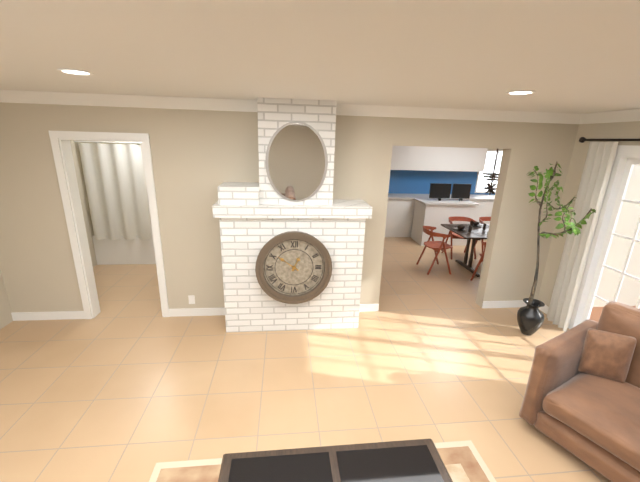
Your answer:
h=12 m=51
